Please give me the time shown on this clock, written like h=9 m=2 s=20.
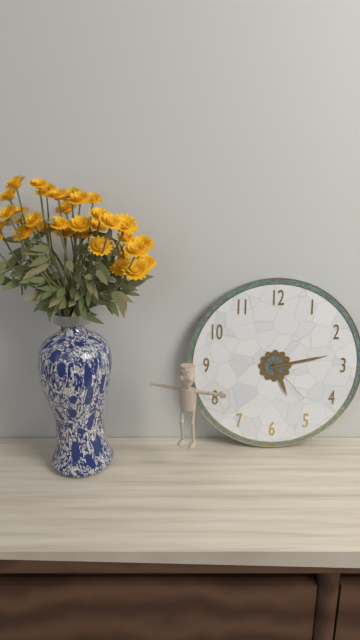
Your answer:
h=5 m=13 s=23
